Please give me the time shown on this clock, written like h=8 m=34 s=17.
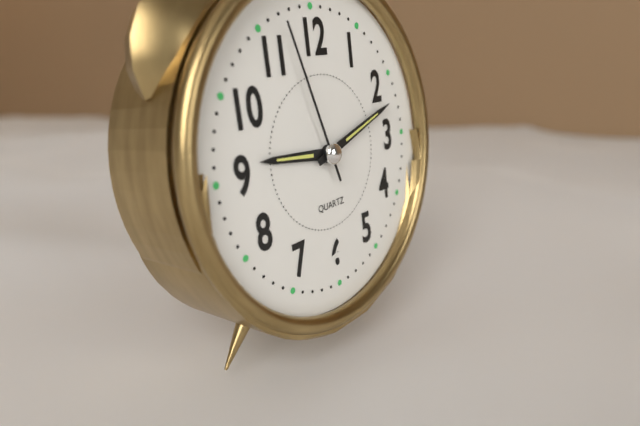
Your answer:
h=9 m=12 s=57
